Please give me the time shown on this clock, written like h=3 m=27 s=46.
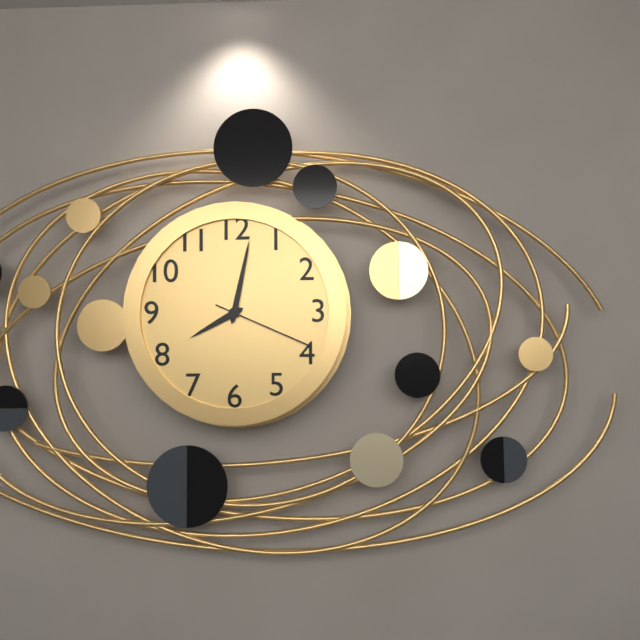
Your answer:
h=8 m=2 s=19
